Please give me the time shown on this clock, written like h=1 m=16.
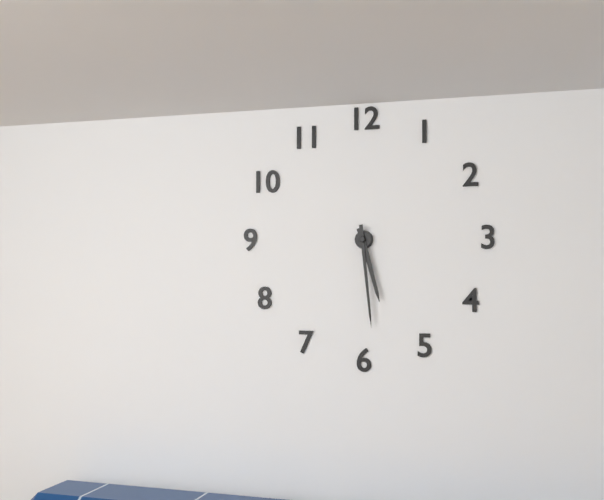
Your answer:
h=5 m=29
